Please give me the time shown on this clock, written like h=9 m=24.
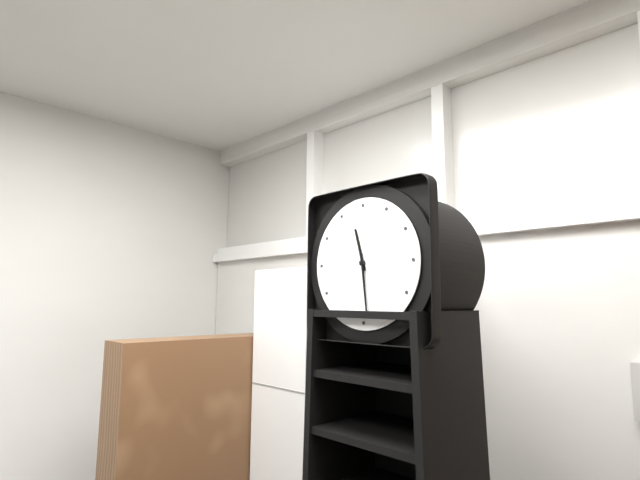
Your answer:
h=11 m=29
